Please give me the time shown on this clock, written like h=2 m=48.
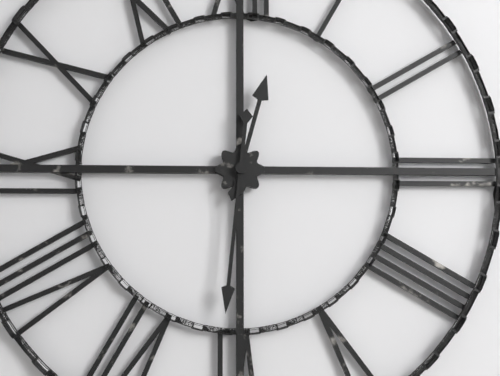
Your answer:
h=12 m=31
